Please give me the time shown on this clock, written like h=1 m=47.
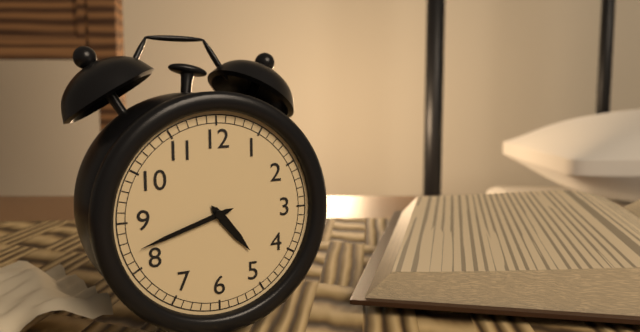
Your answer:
h=4 m=42
